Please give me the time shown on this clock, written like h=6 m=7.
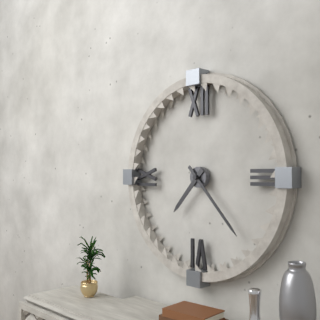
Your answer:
h=7 m=23
